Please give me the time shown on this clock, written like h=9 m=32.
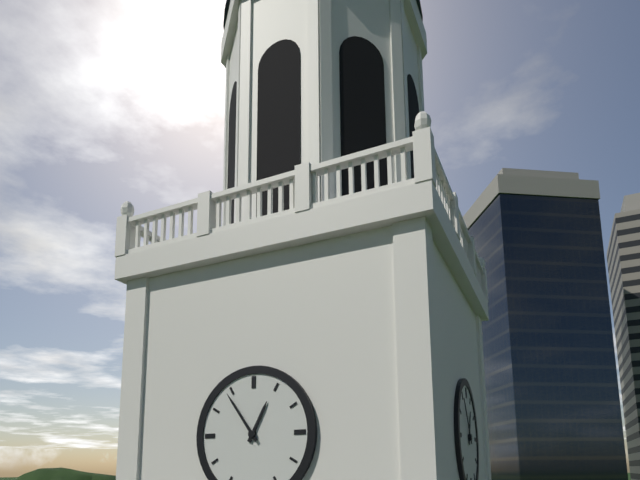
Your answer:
h=12 m=54
